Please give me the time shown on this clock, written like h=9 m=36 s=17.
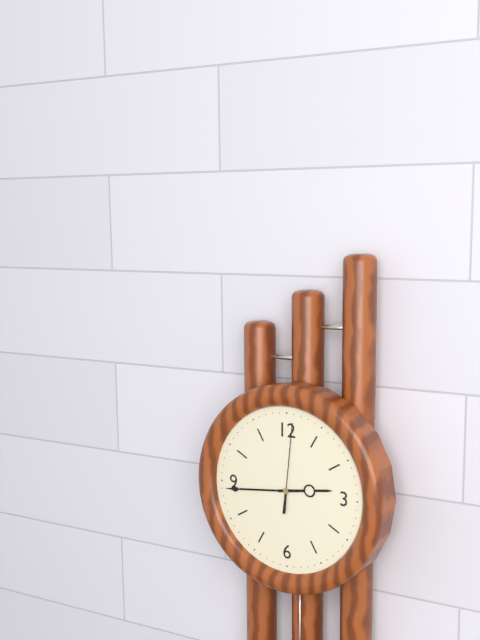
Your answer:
h=2 m=44 s=1
